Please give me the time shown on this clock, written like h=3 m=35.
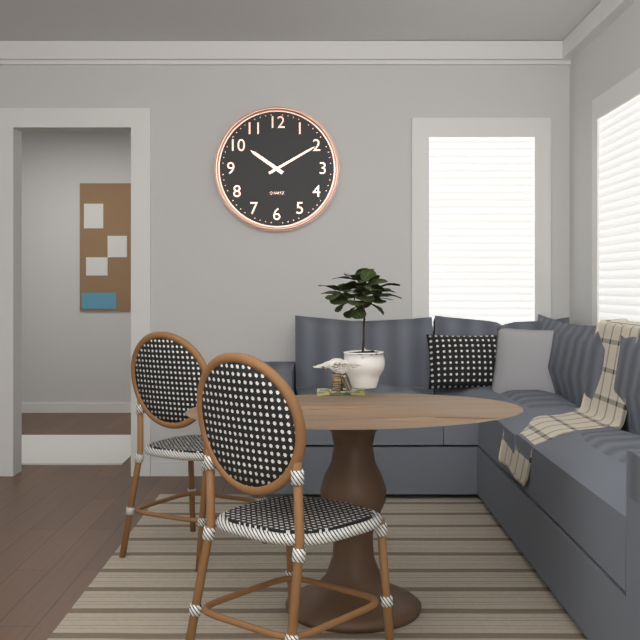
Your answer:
h=10 m=10
